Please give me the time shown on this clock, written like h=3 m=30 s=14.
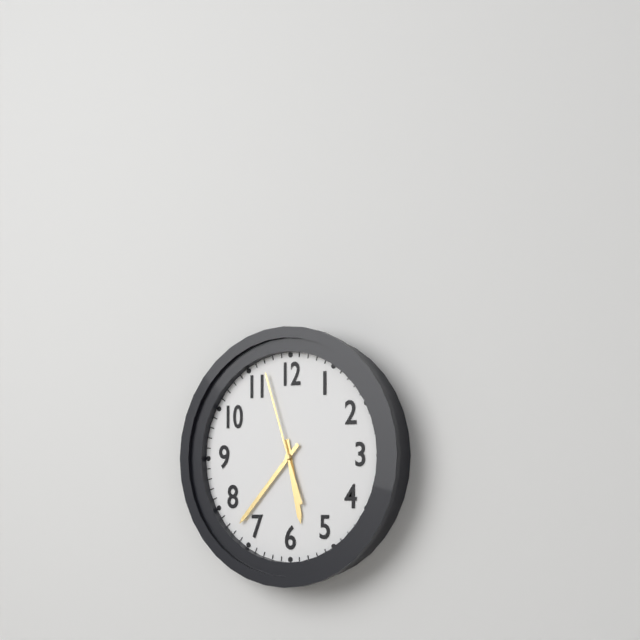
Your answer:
h=5 m=37 s=57
